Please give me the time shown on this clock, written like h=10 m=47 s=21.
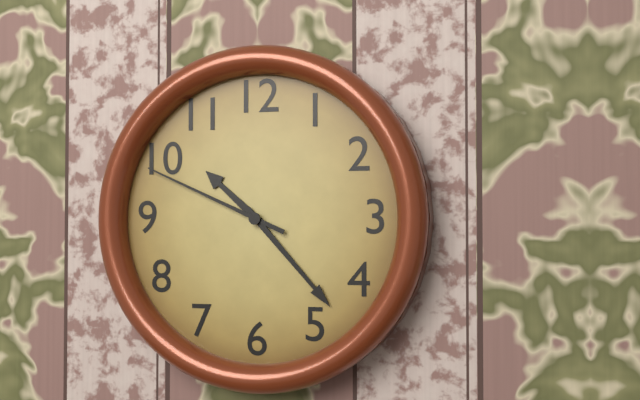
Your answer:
h=10 m=23 s=49
